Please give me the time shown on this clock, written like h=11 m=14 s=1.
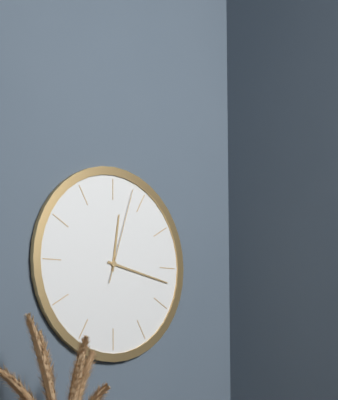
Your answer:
h=12 m=17 s=3
